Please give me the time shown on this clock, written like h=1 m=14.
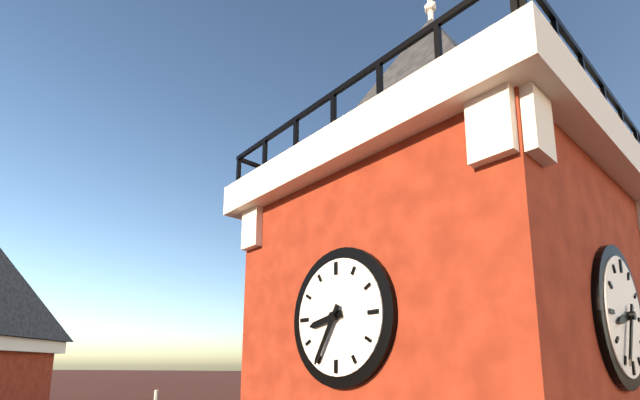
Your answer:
h=8 m=35
